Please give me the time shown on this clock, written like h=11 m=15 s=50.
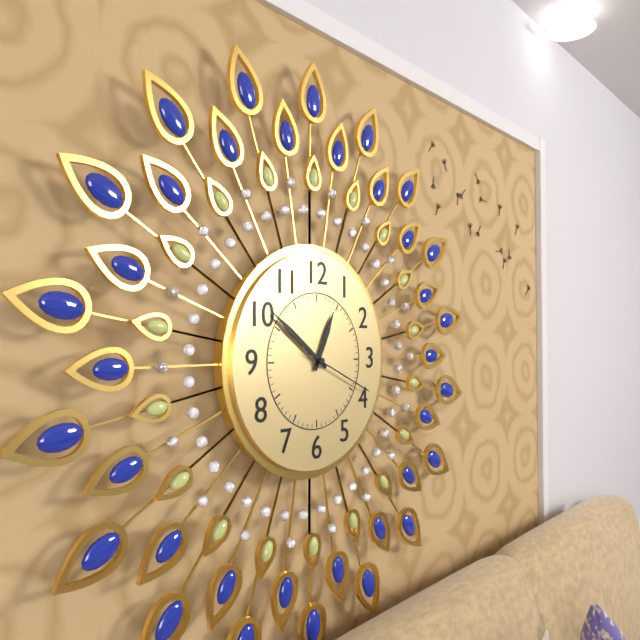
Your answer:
h=12 m=51 s=19
